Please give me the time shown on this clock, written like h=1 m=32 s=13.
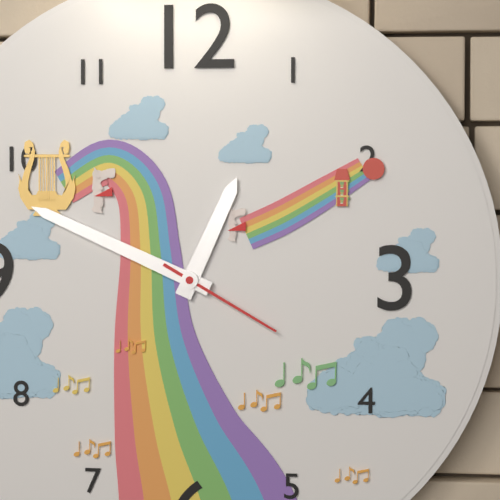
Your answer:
h=12 m=49 s=20
